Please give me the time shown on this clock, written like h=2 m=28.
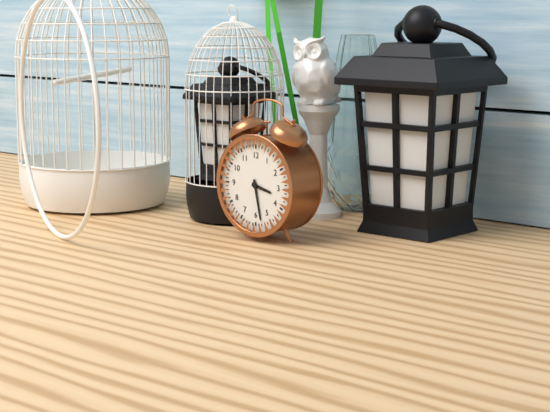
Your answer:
h=3 m=28
